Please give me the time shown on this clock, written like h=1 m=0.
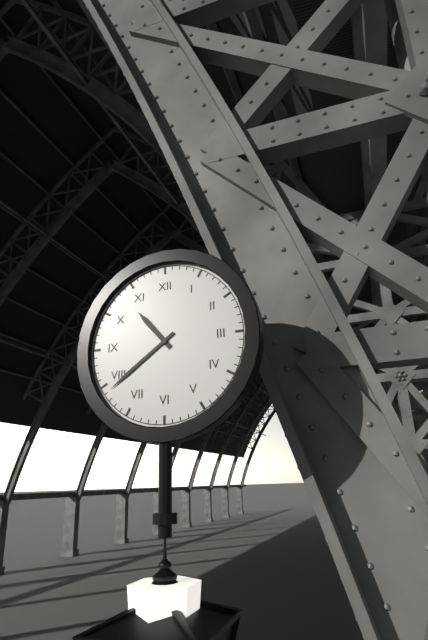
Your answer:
h=10 m=39
